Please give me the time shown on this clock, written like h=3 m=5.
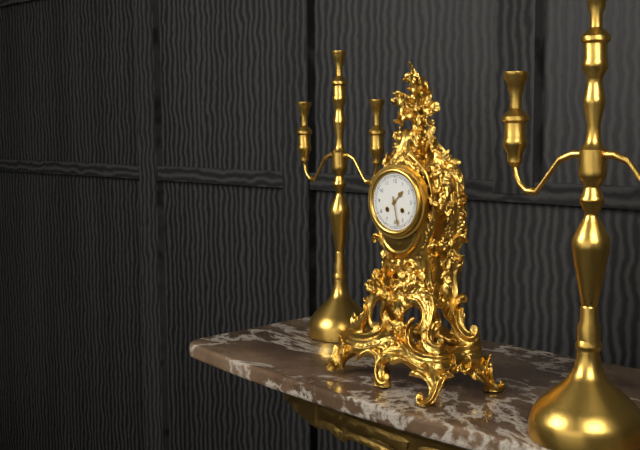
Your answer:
h=1 m=28
